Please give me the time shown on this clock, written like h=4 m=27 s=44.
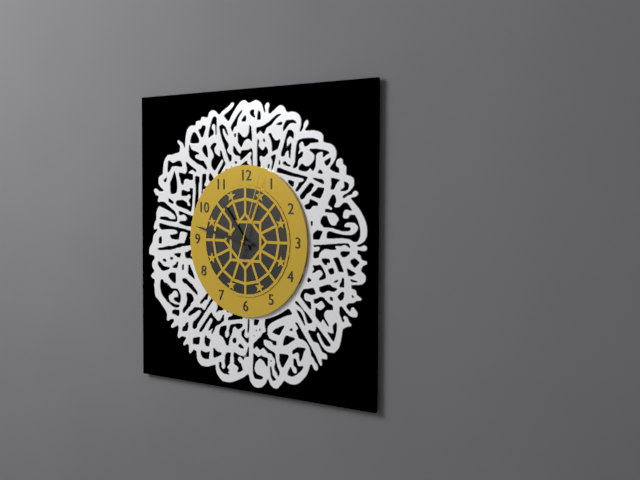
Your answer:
h=10 m=47 s=3
